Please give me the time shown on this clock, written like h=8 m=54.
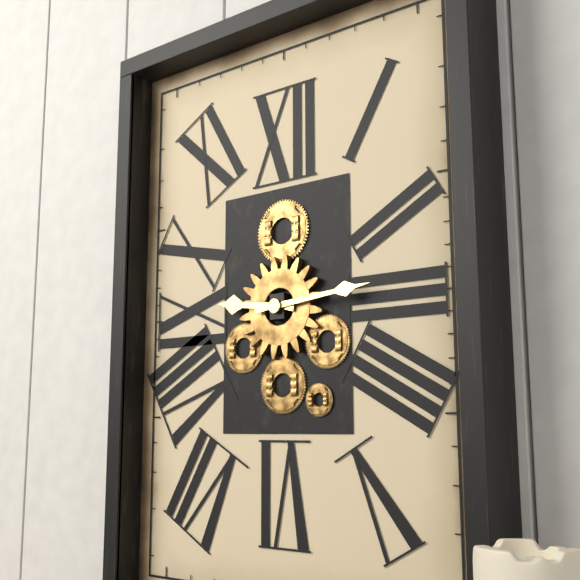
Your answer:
h=9 m=14
